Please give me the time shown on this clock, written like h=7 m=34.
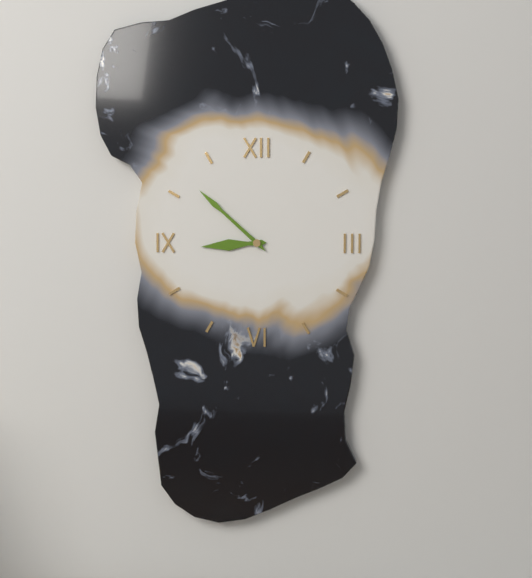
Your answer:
h=8 m=52
